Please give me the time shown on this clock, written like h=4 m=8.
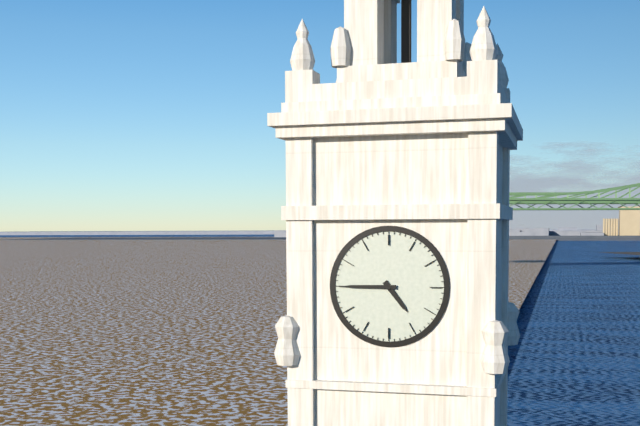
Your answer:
h=4 m=45
